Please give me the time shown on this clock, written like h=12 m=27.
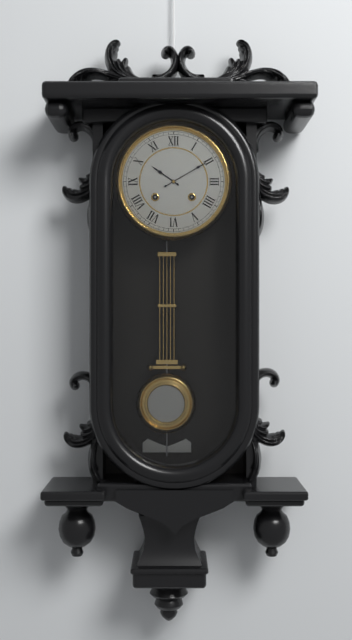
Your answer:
h=10 m=10
